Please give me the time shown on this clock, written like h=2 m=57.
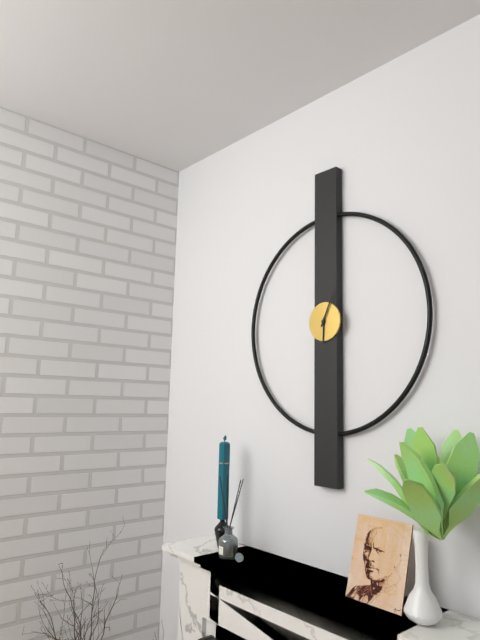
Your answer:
h=6 m=4
